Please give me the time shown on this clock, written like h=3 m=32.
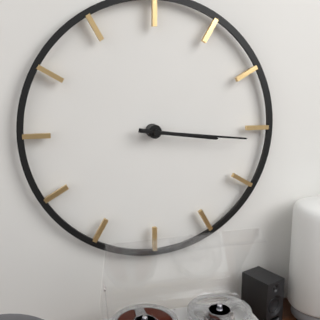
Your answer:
h=3 m=16
